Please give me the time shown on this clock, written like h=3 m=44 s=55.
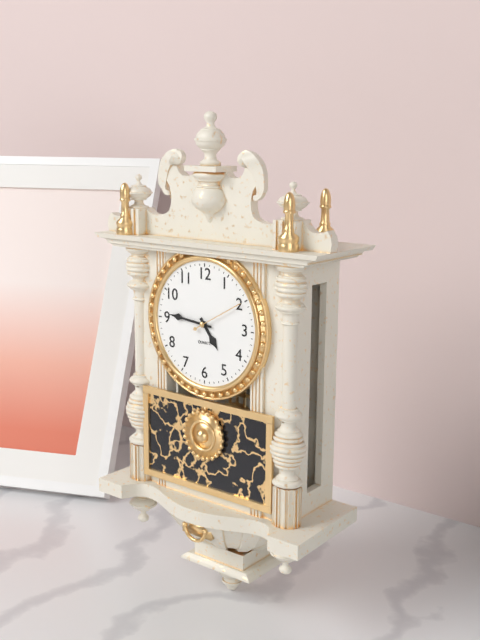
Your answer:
h=4 m=46 s=10
